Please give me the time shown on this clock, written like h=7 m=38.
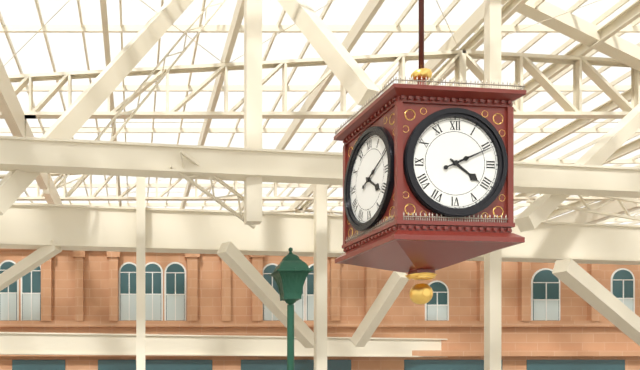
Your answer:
h=4 m=11
